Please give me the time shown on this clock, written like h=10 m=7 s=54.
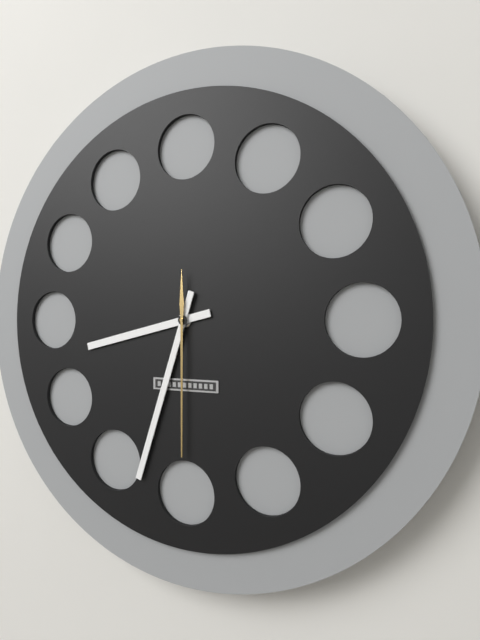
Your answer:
h=8 m=33 s=30
